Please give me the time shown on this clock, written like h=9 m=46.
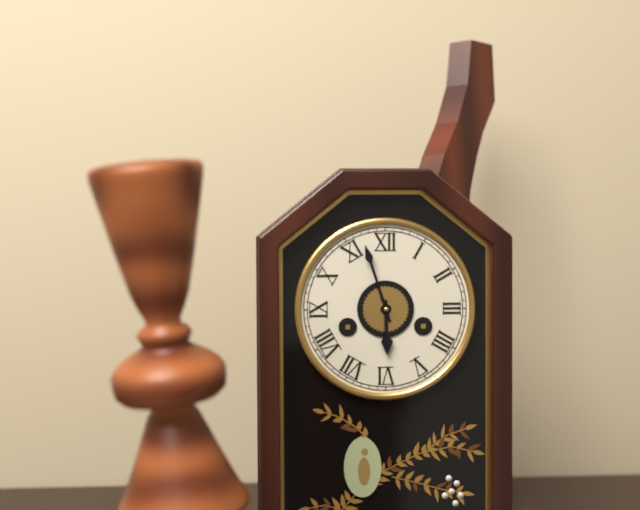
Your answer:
h=5 m=57
